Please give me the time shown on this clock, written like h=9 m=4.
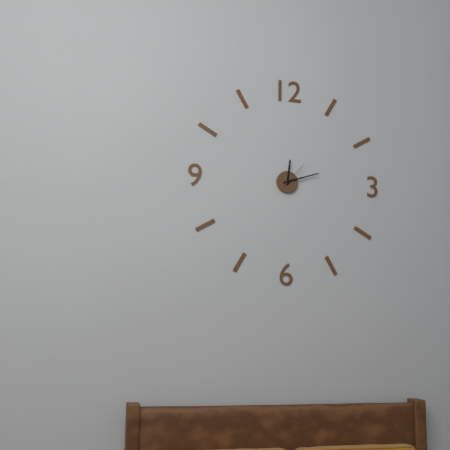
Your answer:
h=12 m=12
